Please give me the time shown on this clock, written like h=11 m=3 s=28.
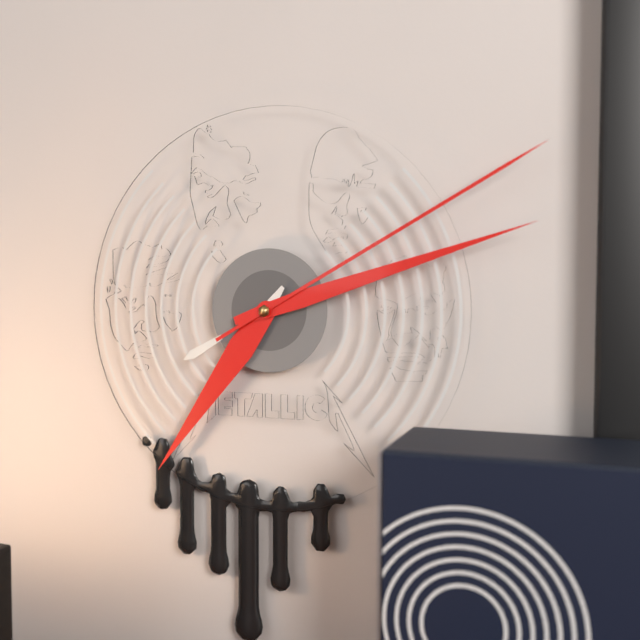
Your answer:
h=7 m=12 s=10
